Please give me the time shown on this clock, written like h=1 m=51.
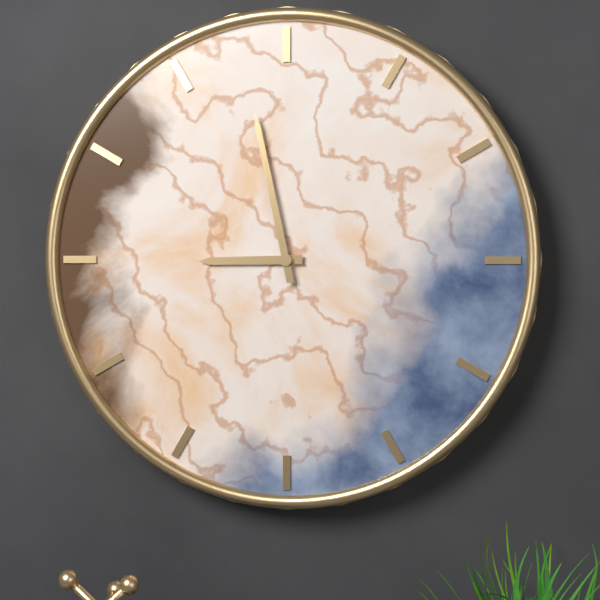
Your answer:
h=8 m=58
